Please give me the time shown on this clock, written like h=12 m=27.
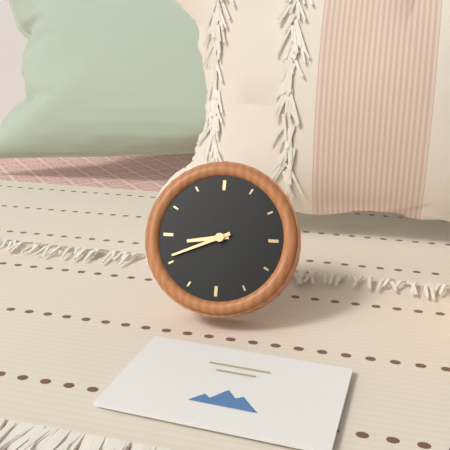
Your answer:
h=8 m=41
